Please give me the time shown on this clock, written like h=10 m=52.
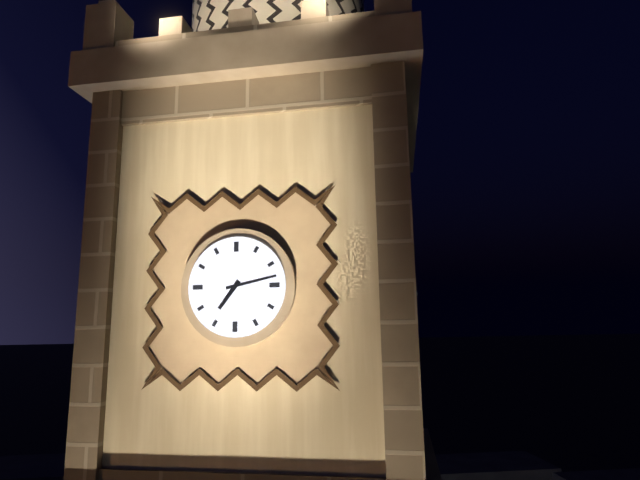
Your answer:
h=7 m=13
